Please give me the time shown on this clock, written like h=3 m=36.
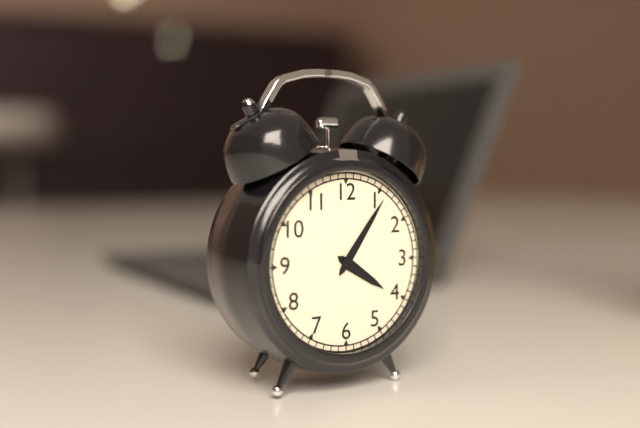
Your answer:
h=4 m=6
